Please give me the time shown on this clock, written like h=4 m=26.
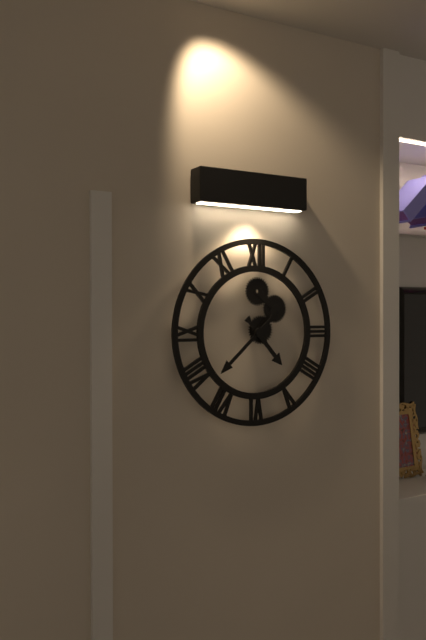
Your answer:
h=4 m=38
